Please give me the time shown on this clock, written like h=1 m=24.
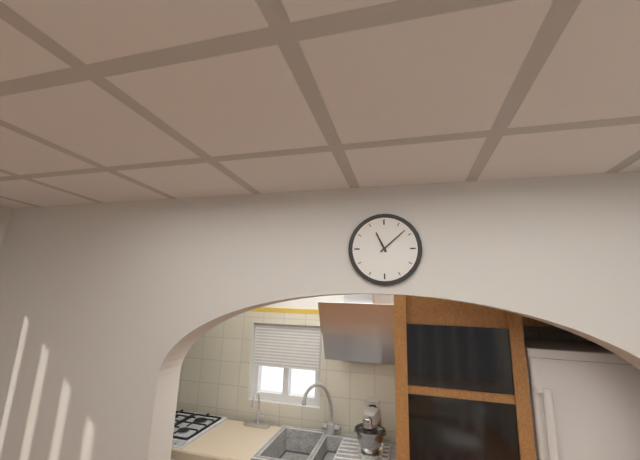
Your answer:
h=11 m=8
